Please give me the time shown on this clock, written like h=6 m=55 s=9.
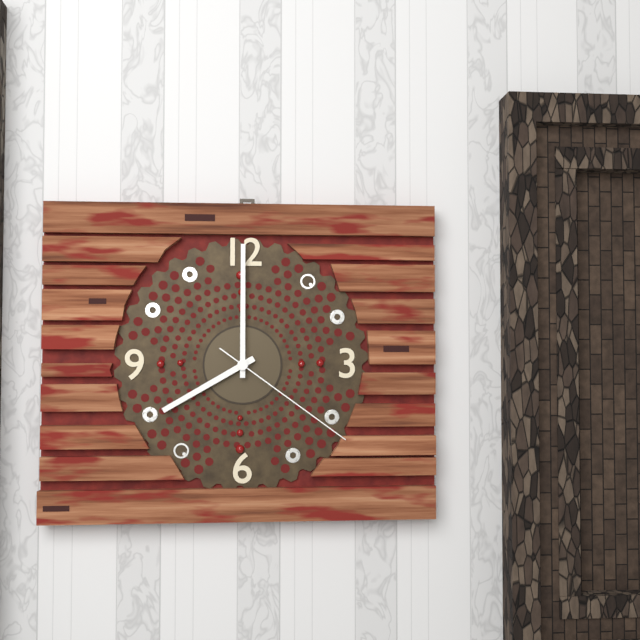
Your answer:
h=8 m=0 s=21
